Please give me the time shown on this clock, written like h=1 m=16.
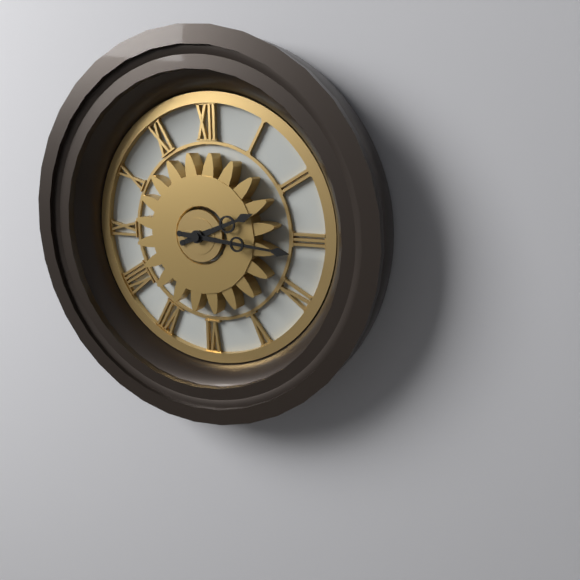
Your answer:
h=2 m=16
